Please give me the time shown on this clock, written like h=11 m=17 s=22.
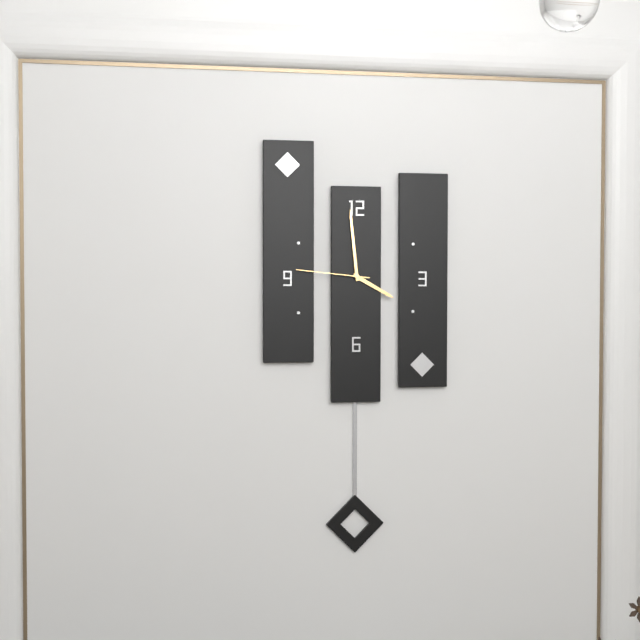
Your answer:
h=3 m=59 s=46
